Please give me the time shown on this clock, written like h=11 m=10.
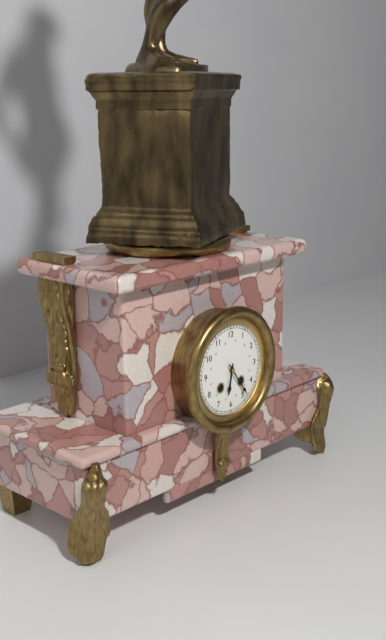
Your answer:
h=6 m=24
